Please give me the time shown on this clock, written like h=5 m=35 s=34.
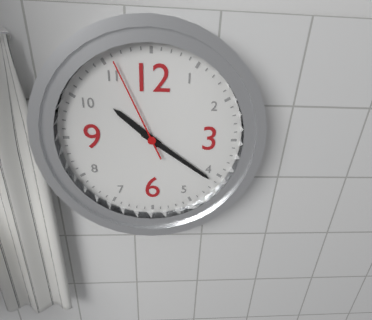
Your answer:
h=10 m=21 s=56
